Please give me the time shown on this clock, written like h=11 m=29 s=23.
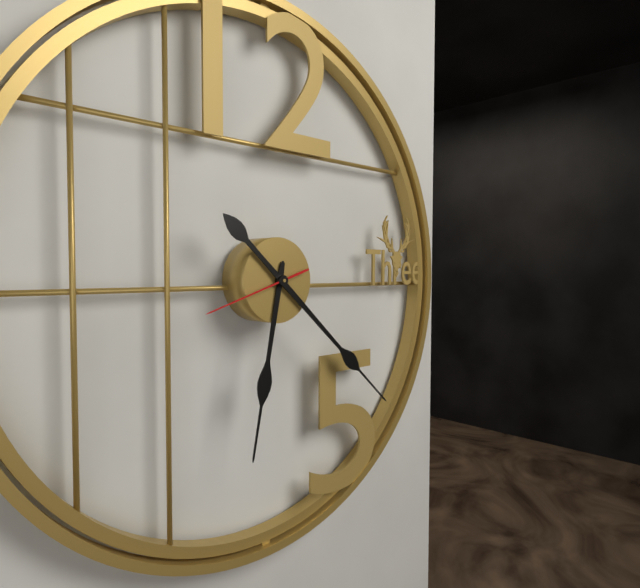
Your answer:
h=6 m=22 s=42
